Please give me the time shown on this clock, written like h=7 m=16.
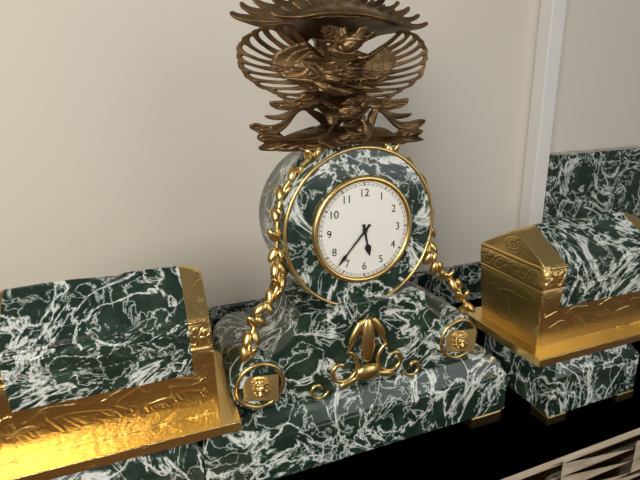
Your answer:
h=5 m=37
